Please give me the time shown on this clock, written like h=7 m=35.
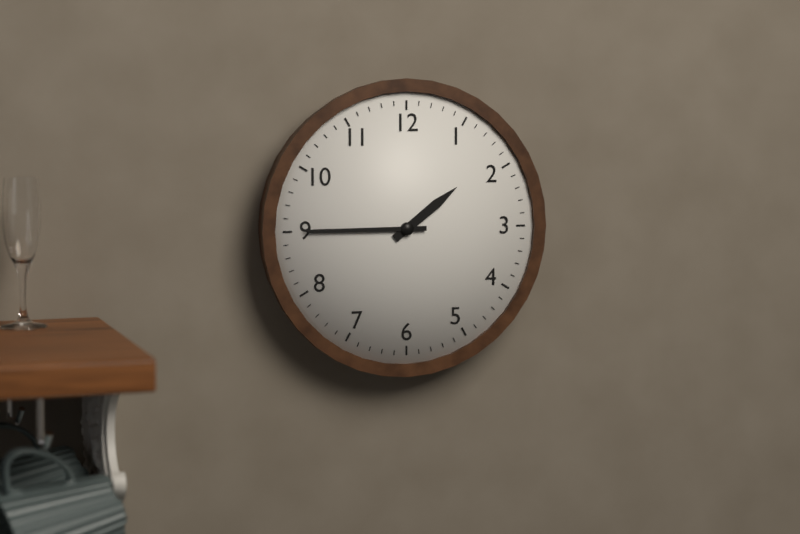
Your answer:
h=1 m=45
